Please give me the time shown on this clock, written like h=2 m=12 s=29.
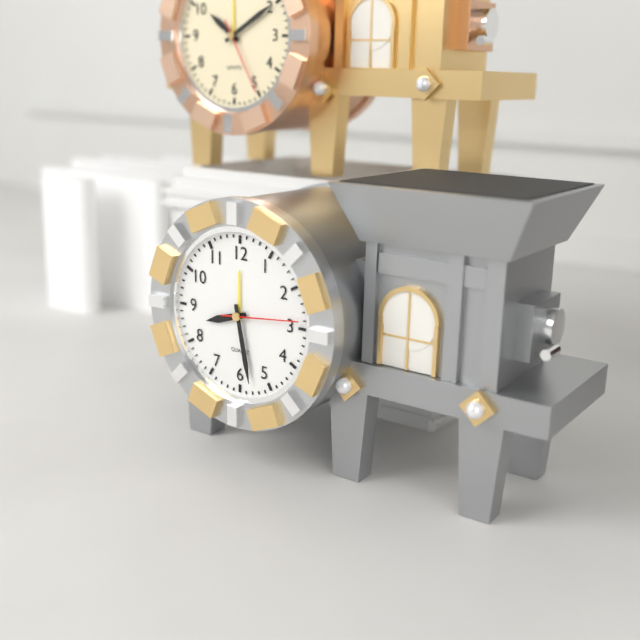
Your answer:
h=8 m=28 s=14
